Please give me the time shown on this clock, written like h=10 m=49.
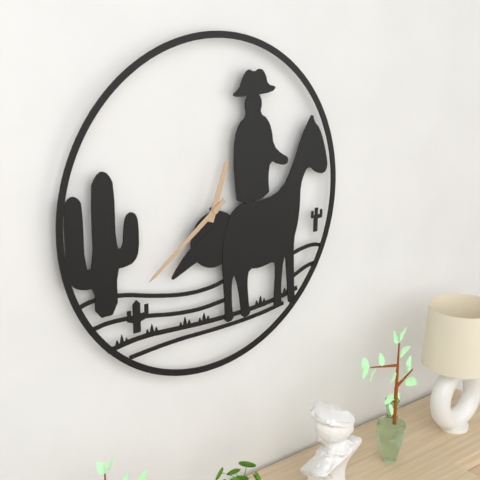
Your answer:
h=12 m=39
